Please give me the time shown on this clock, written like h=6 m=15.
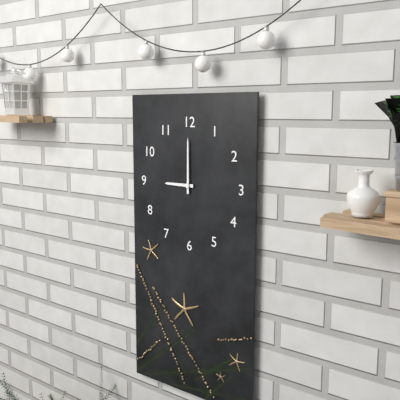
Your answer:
h=9 m=0
